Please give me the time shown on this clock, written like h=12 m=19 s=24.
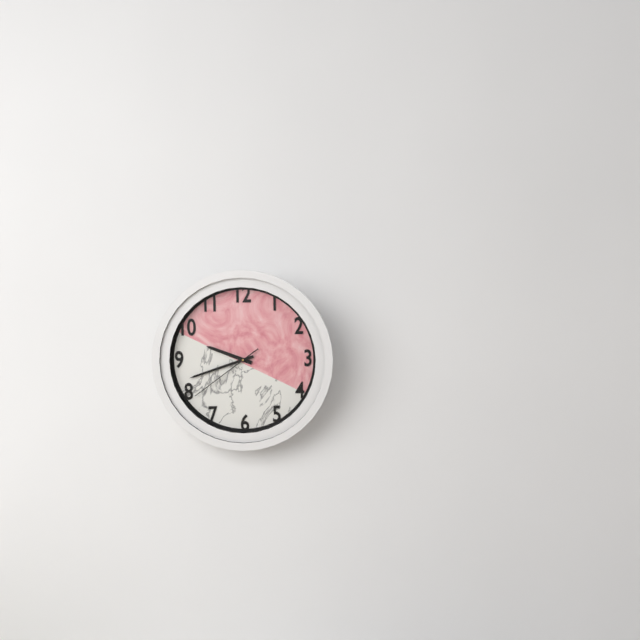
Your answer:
h=9 m=42 s=39
